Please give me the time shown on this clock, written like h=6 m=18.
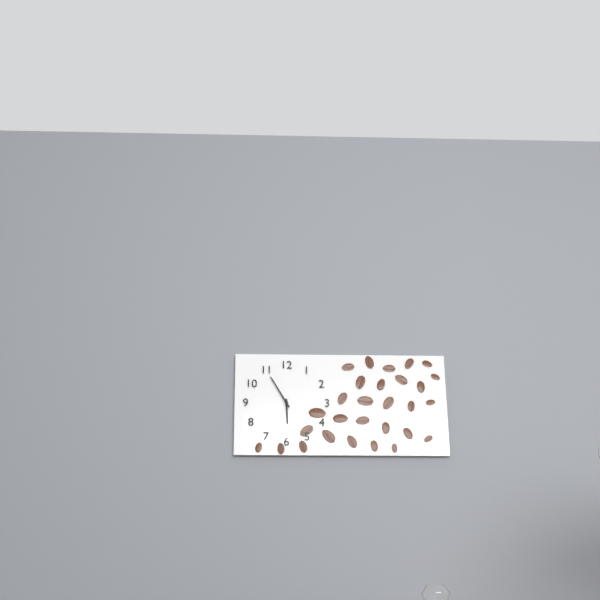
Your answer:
h=5 m=55
